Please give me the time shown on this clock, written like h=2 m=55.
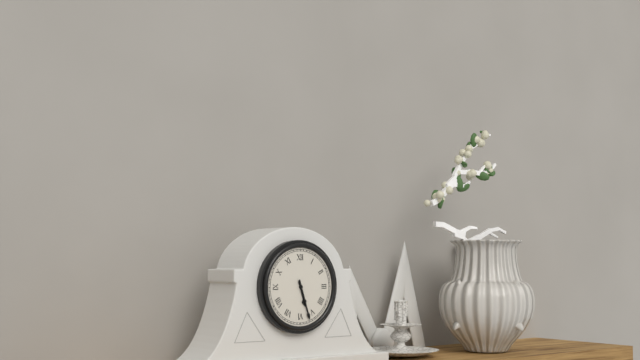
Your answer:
h=5 m=27
